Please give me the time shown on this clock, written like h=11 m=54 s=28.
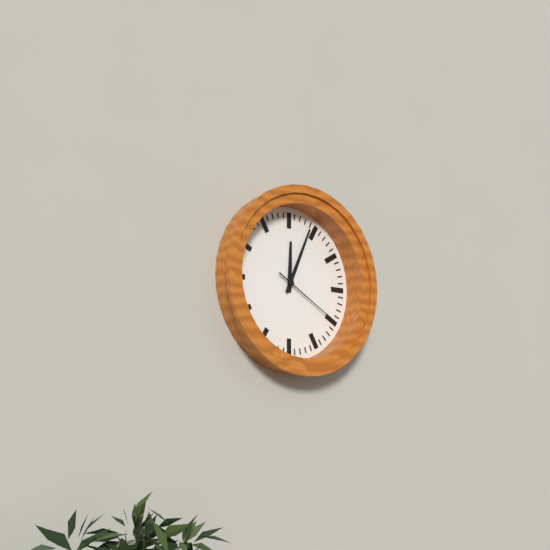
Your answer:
h=12 m=4 s=20
